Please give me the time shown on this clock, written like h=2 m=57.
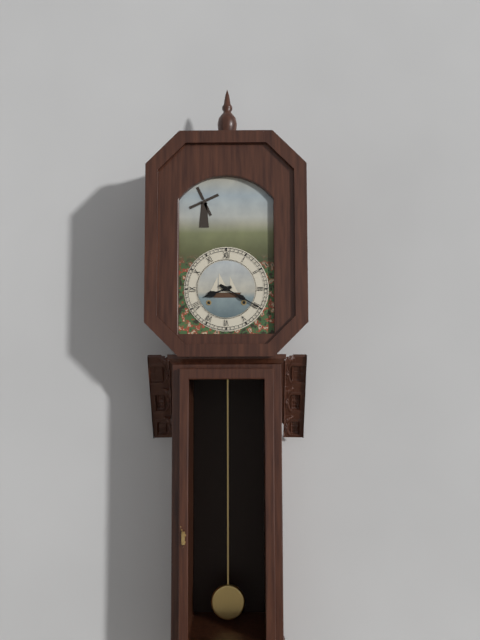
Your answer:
h=8 m=20
